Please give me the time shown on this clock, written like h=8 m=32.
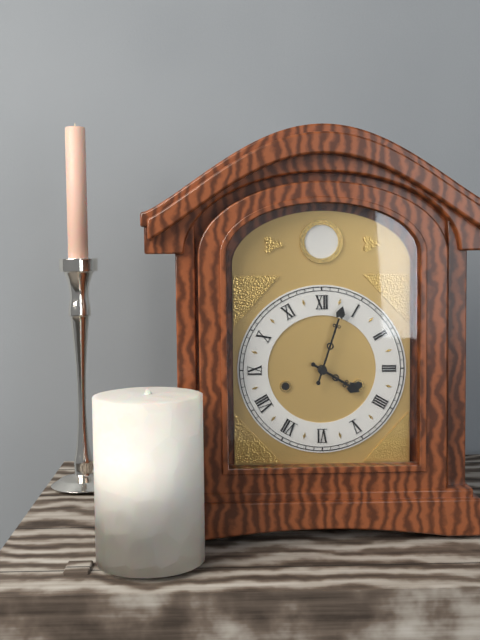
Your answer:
h=4 m=3
